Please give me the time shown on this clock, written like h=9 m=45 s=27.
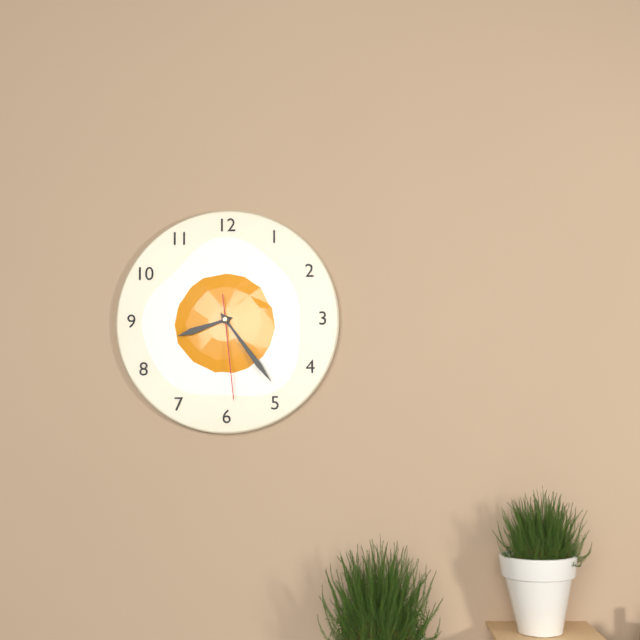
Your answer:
h=8 m=24 s=29
